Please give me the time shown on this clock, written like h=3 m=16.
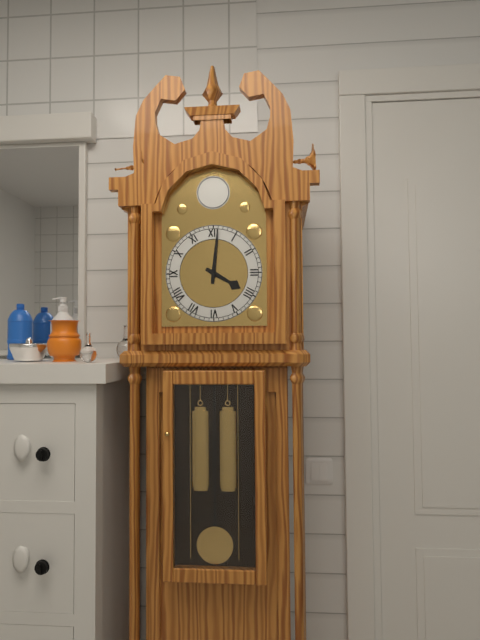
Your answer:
h=4 m=1
